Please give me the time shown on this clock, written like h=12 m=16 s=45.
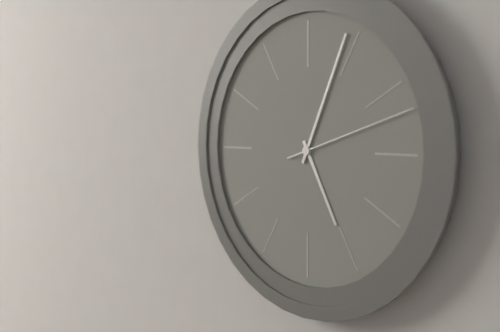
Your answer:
h=5 m=4 s=12
